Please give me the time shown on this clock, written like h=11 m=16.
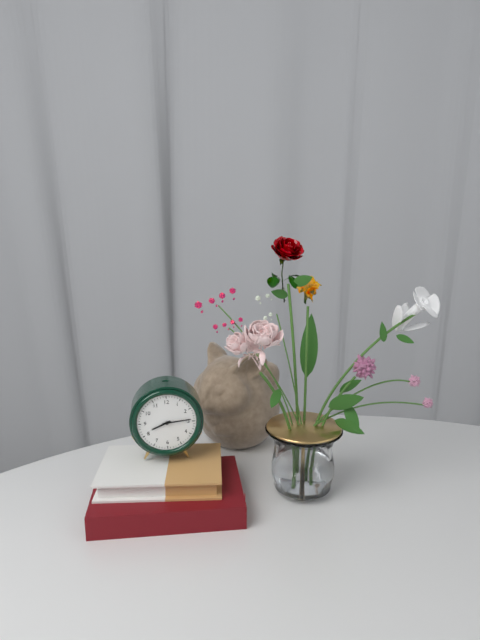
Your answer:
h=8 m=14
